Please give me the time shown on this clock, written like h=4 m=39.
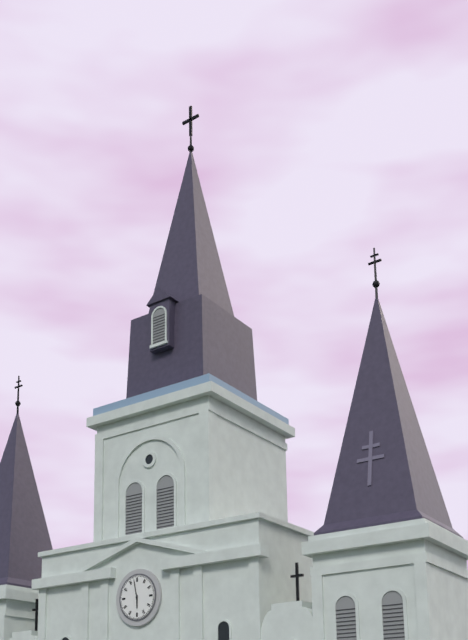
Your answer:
h=5 m=58
